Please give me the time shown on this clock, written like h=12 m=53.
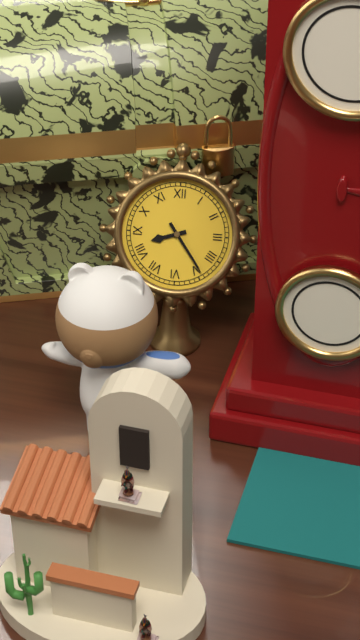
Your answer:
h=8 m=24
